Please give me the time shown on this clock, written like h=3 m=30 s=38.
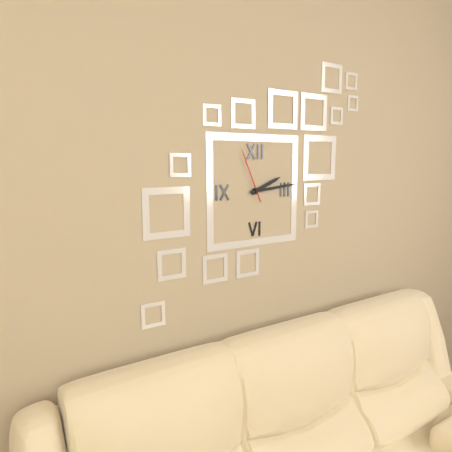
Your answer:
h=2 m=14 s=56
